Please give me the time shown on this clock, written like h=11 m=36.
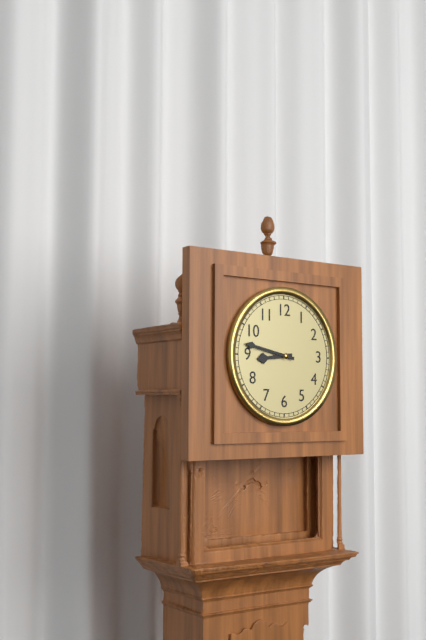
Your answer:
h=8 m=47
